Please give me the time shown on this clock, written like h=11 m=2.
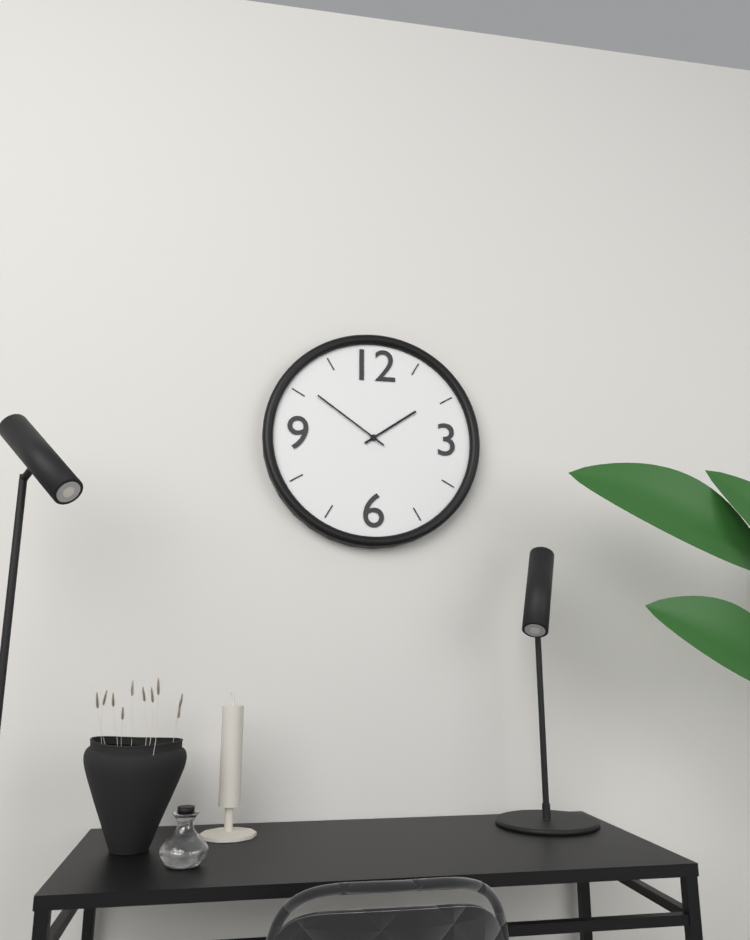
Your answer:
h=1 m=51
